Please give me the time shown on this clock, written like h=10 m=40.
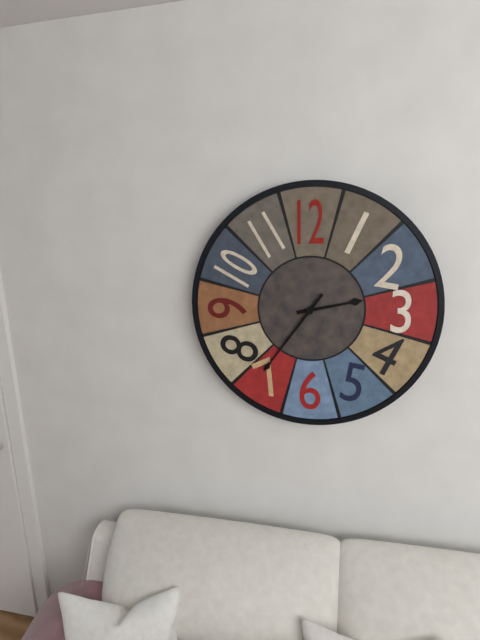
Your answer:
h=2 m=36
